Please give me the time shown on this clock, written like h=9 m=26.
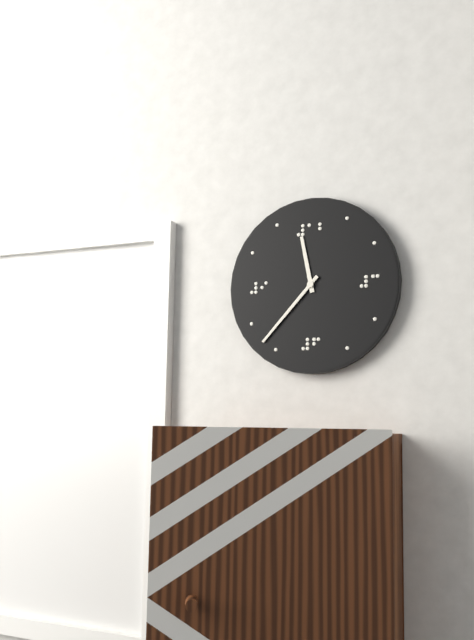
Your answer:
h=11 m=37
